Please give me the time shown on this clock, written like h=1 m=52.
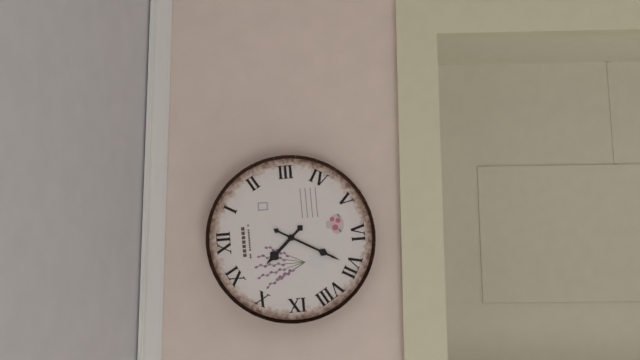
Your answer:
h=10 m=35
